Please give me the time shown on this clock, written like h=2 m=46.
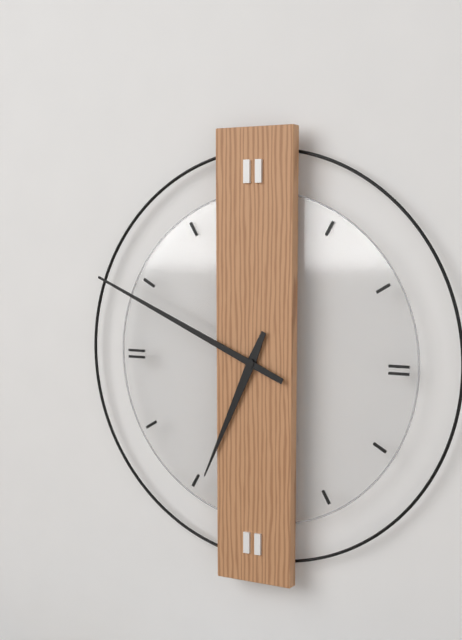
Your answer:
h=6 m=49
